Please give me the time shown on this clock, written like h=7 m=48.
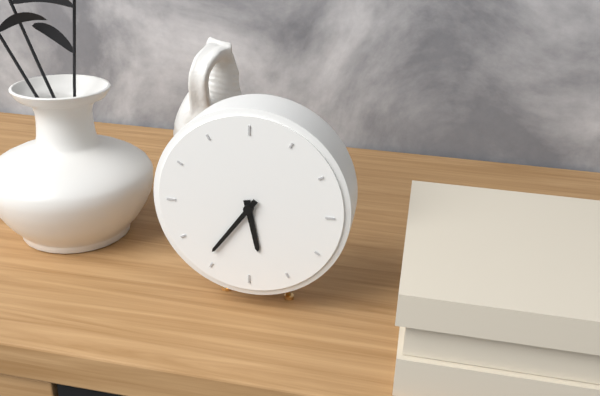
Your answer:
h=5 m=36
